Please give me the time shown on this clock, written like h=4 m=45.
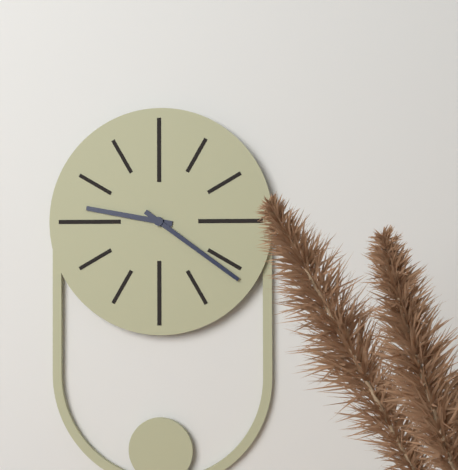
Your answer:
h=9 m=21
